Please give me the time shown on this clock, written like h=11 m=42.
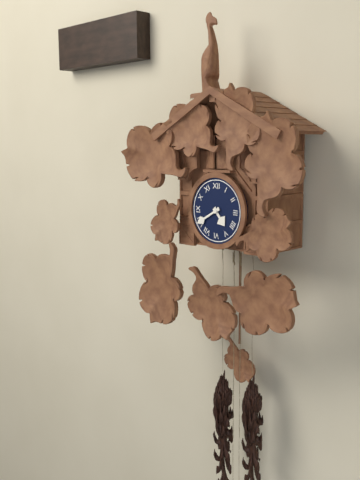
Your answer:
h=4 m=40
